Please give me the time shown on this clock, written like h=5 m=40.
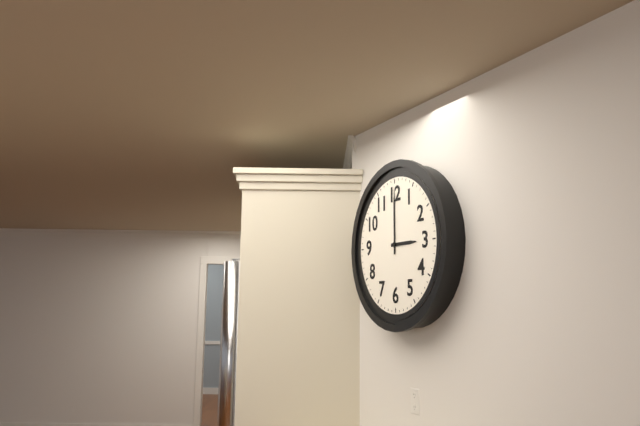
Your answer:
h=3 m=0
